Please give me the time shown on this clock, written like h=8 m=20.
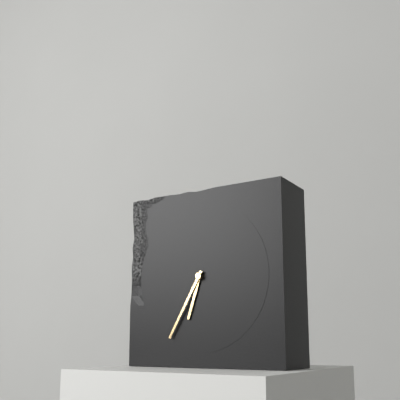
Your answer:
h=6 m=35
